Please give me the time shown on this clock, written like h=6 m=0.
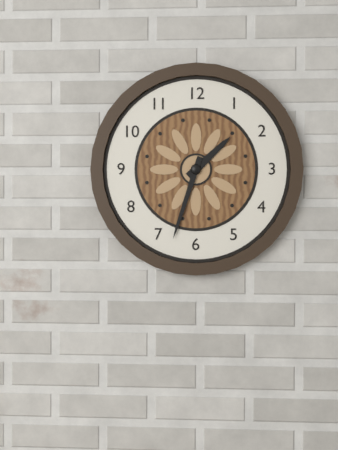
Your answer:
h=1 m=33
